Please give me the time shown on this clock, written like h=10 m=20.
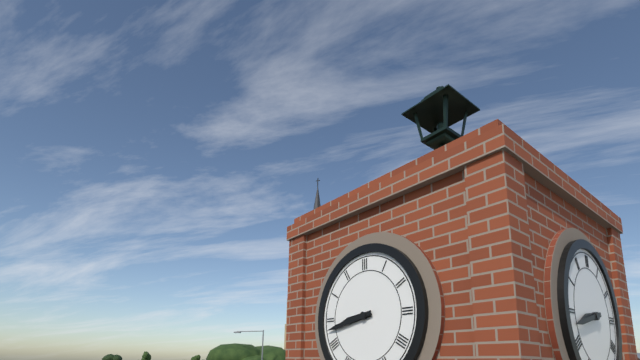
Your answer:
h=8 m=43
